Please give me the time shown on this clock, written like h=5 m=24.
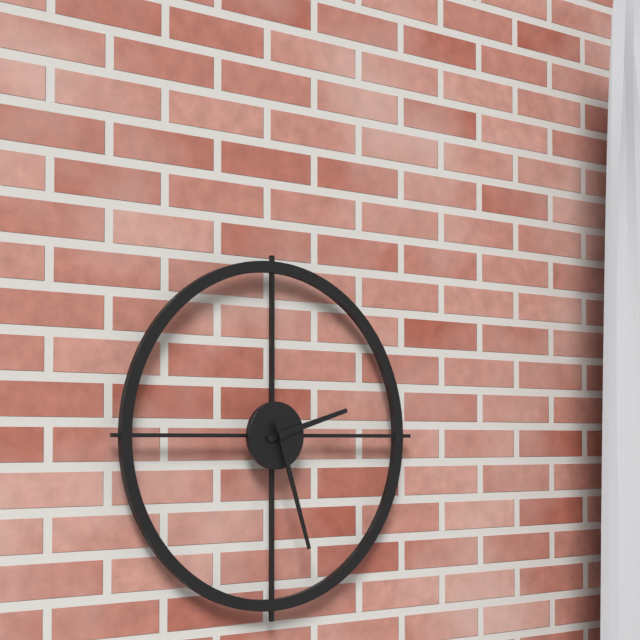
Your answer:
h=2 m=27
